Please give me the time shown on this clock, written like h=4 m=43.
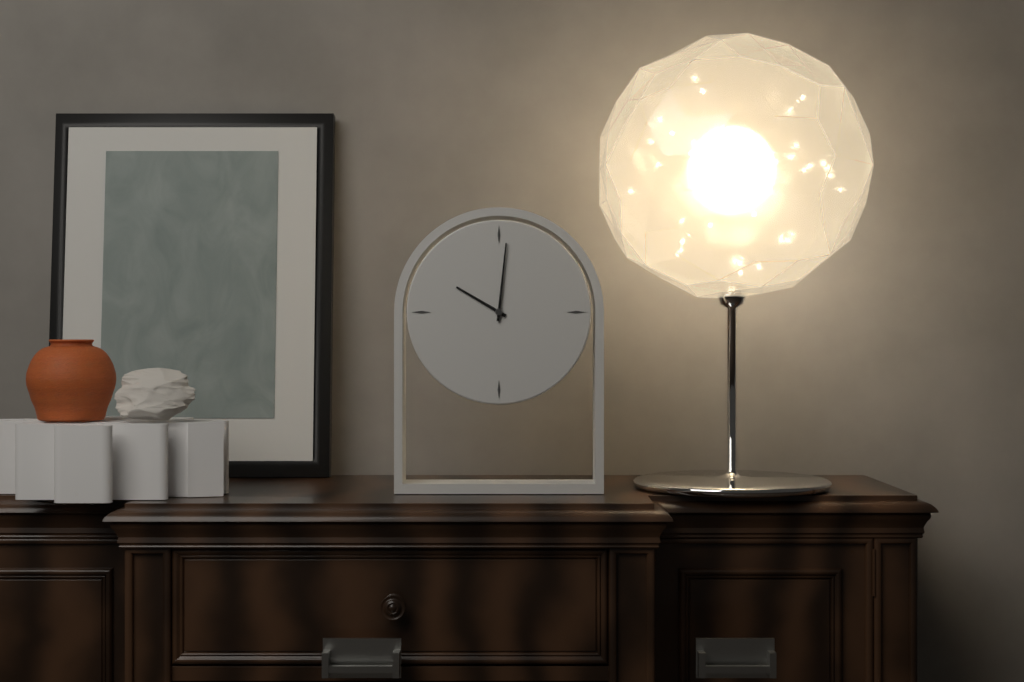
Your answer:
h=10 m=1
